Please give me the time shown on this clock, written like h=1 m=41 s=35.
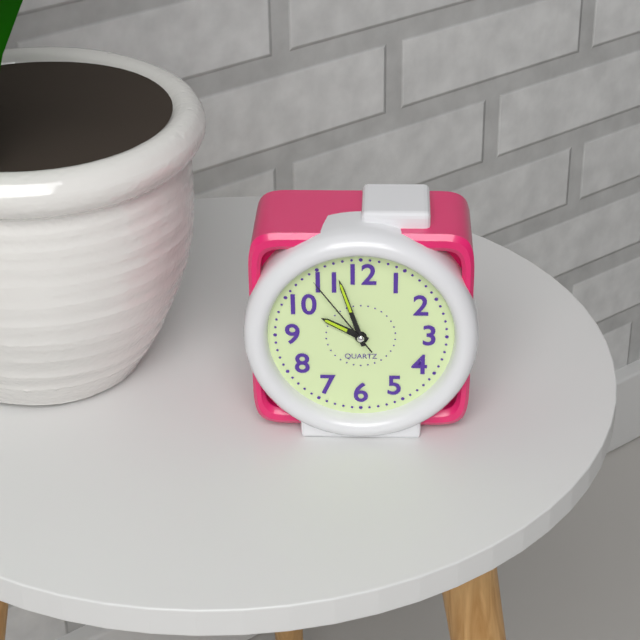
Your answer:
h=9 m=57 s=54
